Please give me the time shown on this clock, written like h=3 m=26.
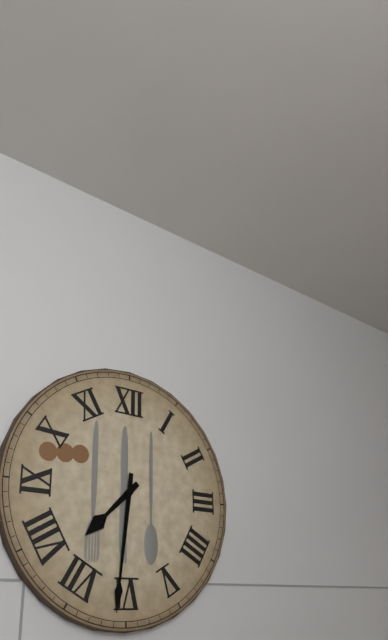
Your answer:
h=7 m=31
